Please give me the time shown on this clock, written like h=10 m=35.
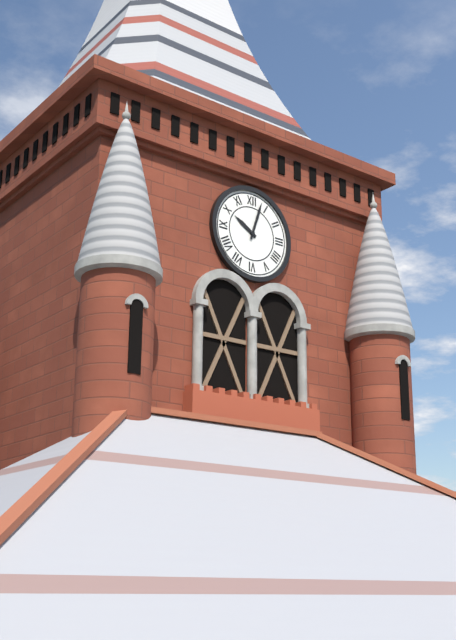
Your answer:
h=10 m=3
